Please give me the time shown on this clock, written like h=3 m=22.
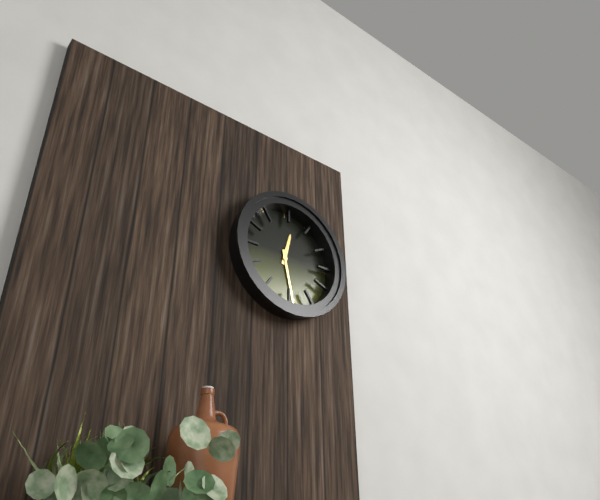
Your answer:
h=12 m=28
